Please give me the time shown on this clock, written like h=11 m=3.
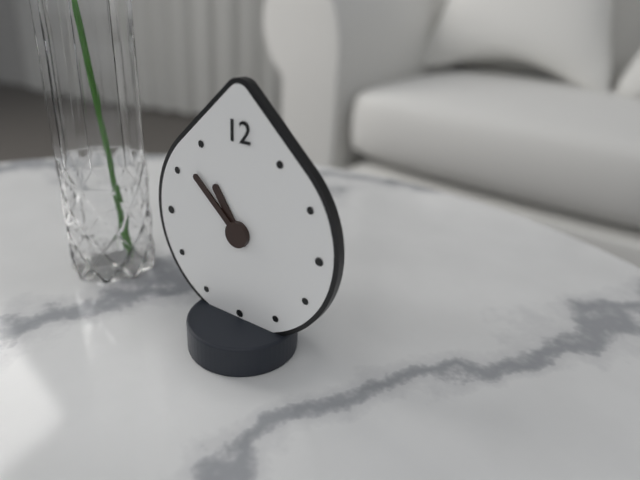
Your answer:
h=10 m=52
